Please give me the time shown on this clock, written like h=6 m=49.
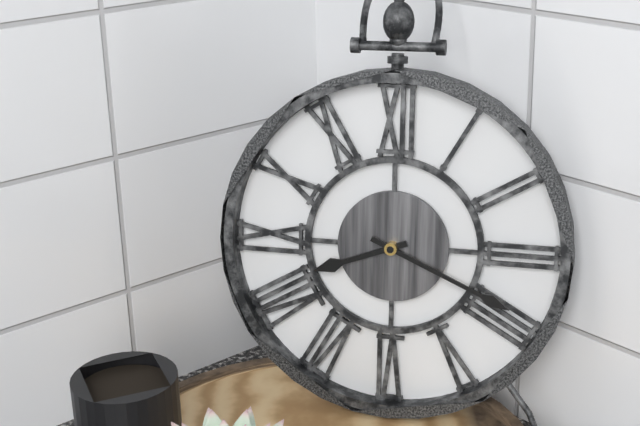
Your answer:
h=8 m=19
